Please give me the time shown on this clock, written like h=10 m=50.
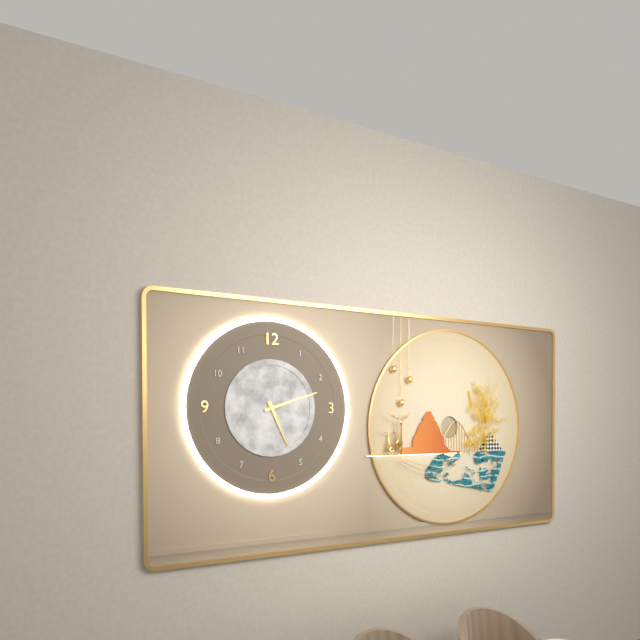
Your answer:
h=5 m=12
